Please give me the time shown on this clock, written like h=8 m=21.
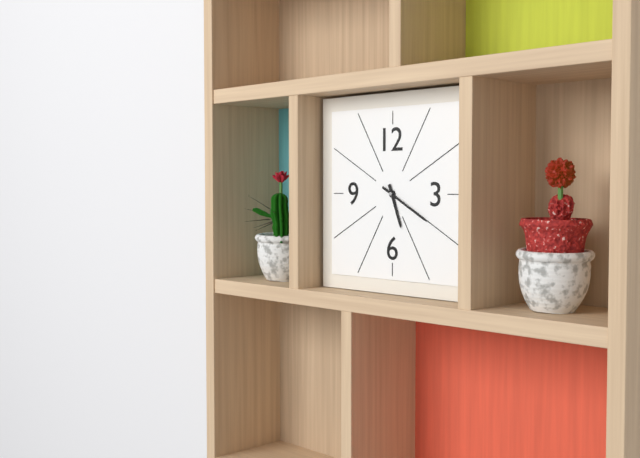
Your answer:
h=5 m=20
